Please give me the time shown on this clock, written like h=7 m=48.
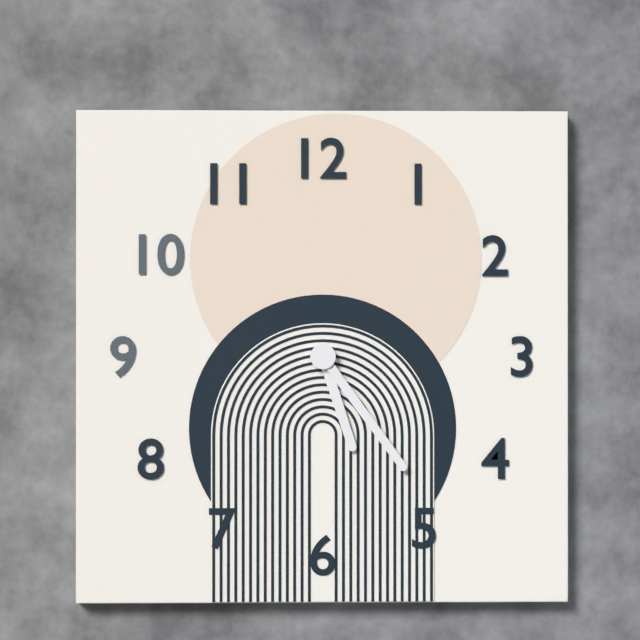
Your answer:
h=5 m=24
